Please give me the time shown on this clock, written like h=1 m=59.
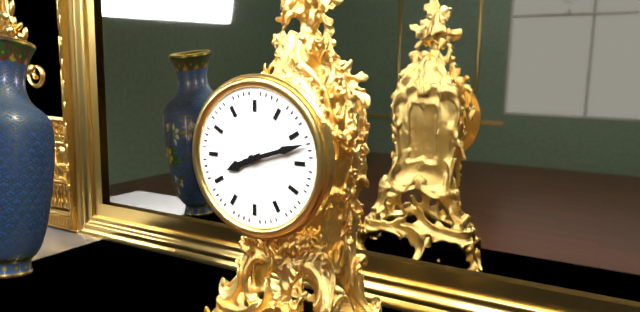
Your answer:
h=8 m=12
